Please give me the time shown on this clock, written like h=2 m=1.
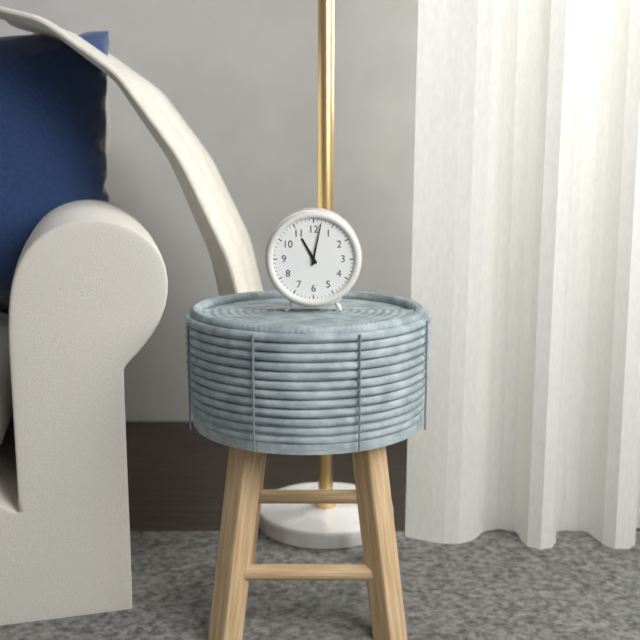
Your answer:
h=11 m=2
